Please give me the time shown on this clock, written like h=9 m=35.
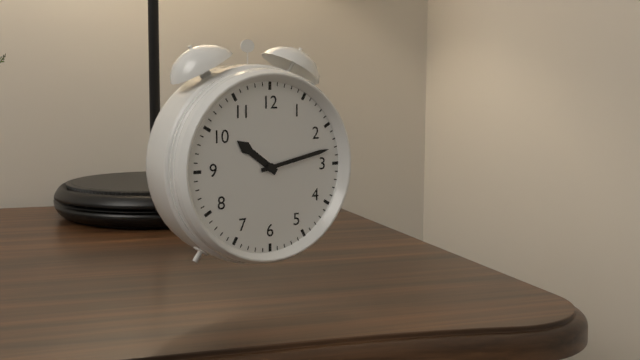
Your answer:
h=10 m=13
